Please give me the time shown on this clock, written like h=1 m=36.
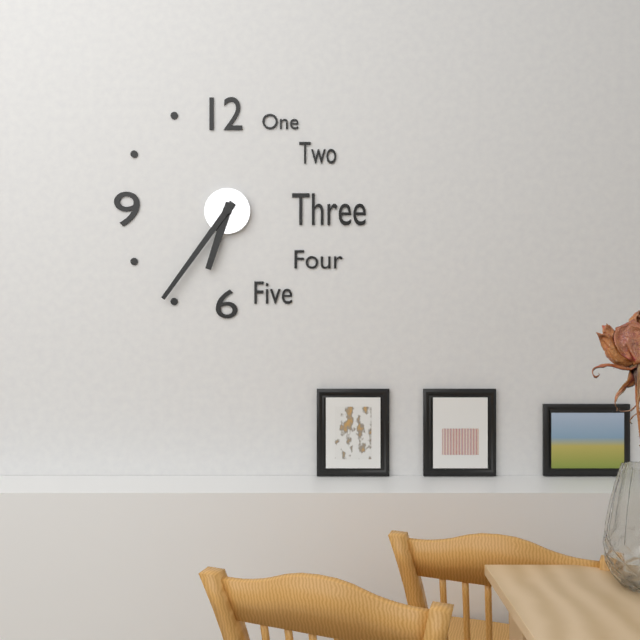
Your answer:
h=6 m=36
